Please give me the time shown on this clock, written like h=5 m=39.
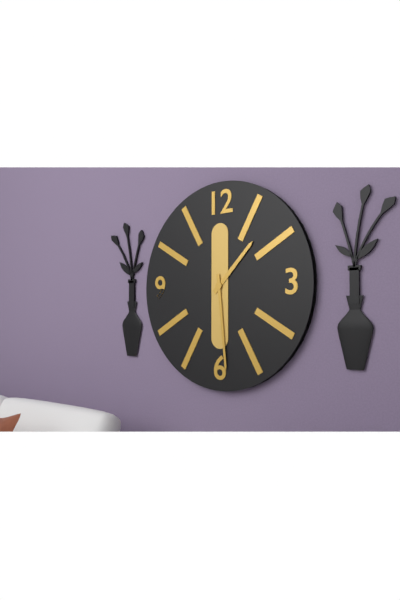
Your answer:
h=1 m=29
